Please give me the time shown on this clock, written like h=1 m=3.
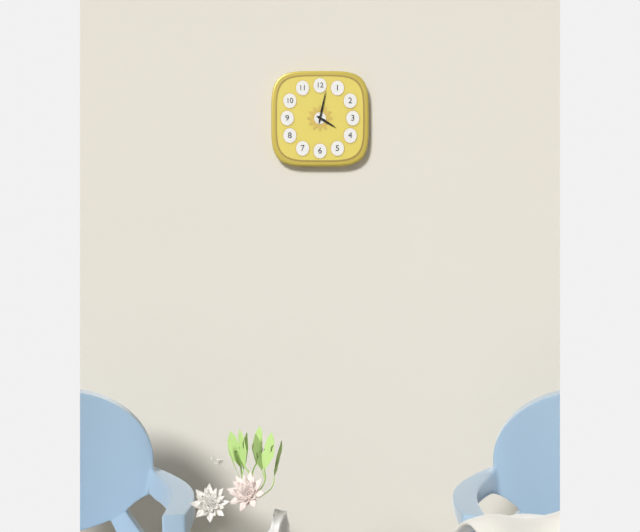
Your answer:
h=4 m=2
